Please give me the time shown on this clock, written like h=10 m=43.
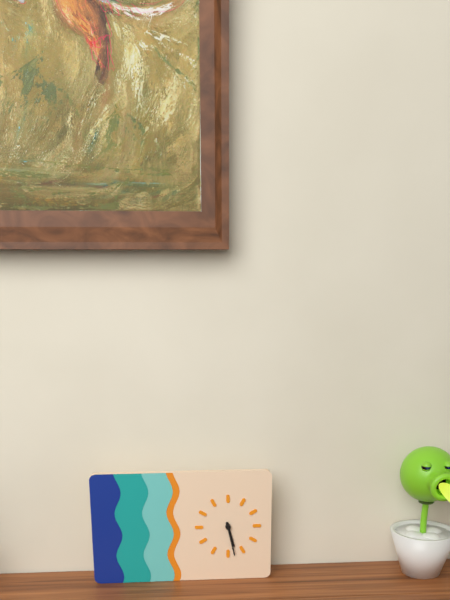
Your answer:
h=5 m=28
